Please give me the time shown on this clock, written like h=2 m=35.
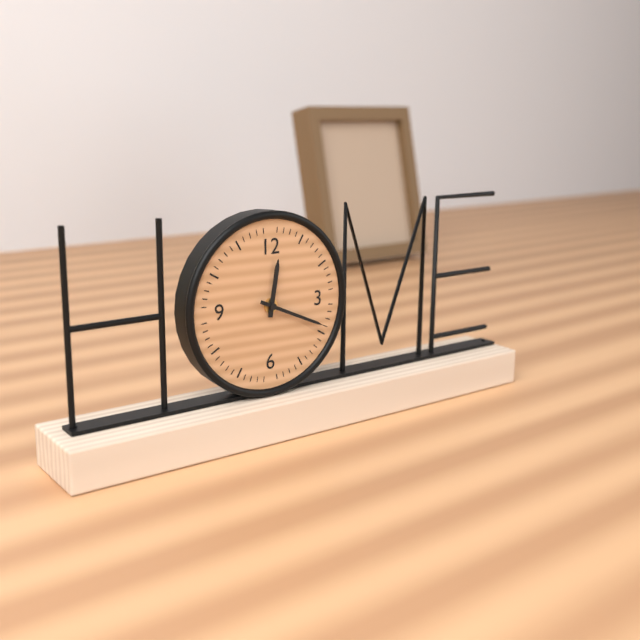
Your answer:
h=12 m=19
